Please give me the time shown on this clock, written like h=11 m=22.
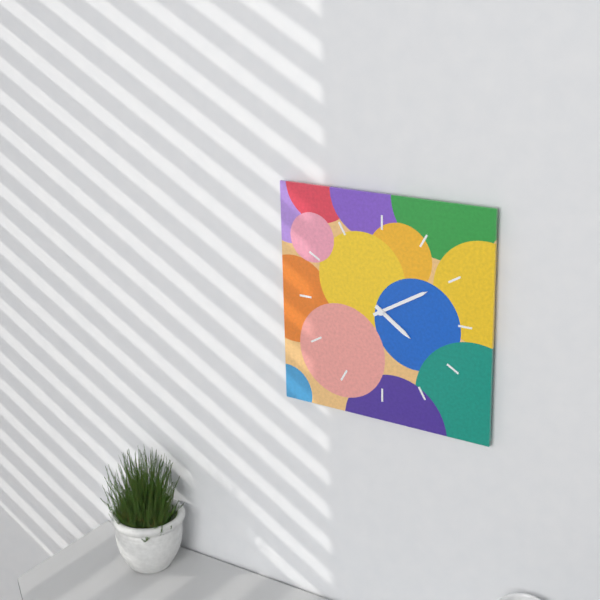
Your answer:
h=4 m=10
